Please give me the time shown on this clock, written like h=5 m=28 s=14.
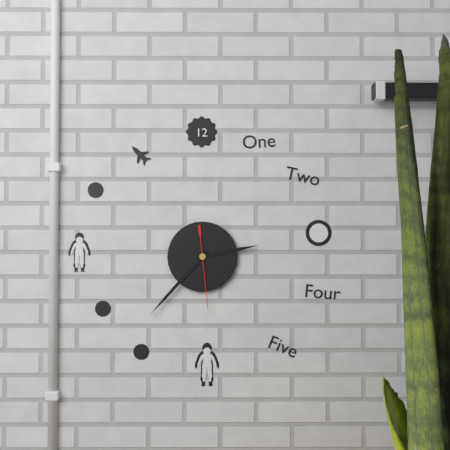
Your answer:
h=2 m=37 s=29
